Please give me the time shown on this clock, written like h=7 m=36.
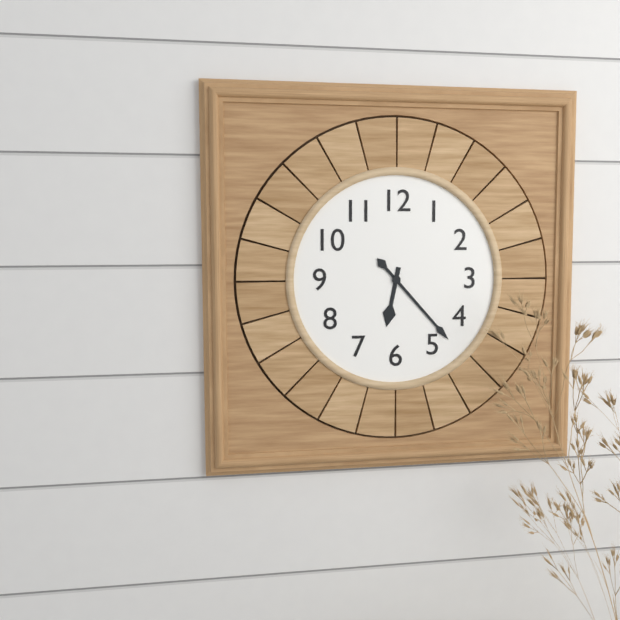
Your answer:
h=6 m=23
